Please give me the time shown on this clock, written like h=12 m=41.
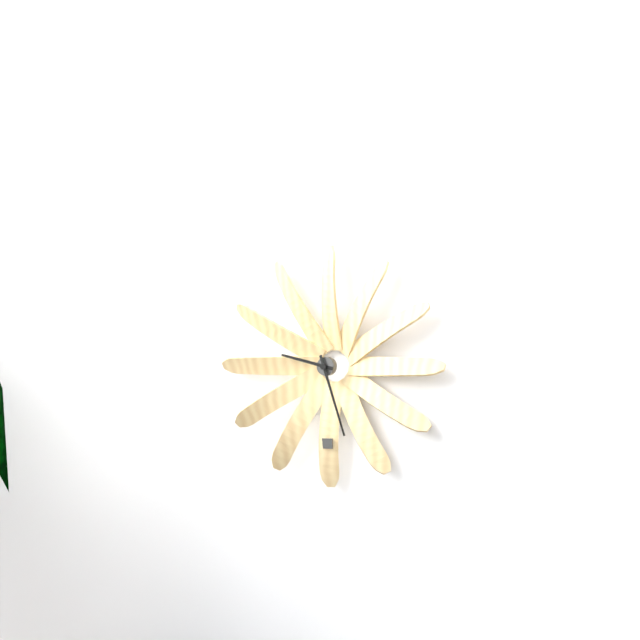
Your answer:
h=9 m=27
